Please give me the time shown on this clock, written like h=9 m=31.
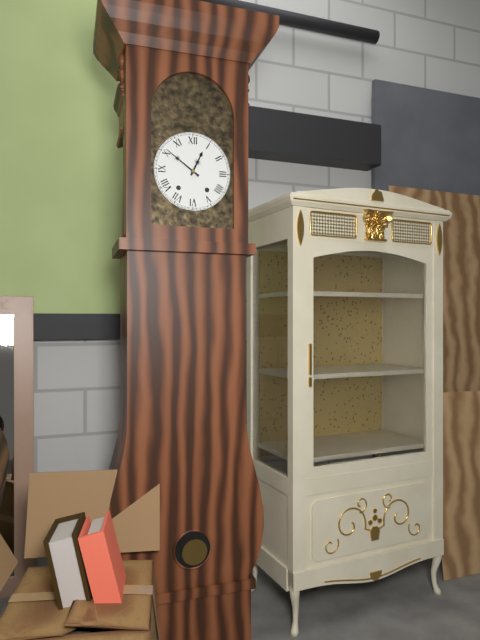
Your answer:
h=12 m=51
